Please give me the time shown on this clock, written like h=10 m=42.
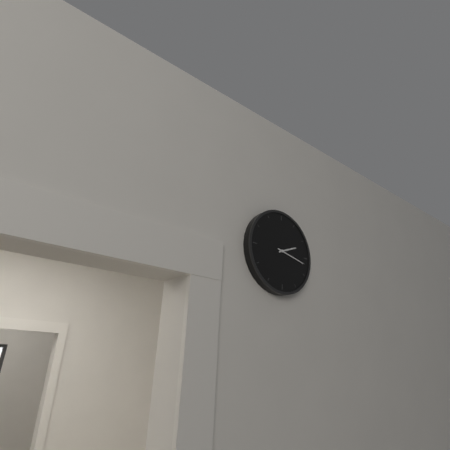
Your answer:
h=2 m=17
